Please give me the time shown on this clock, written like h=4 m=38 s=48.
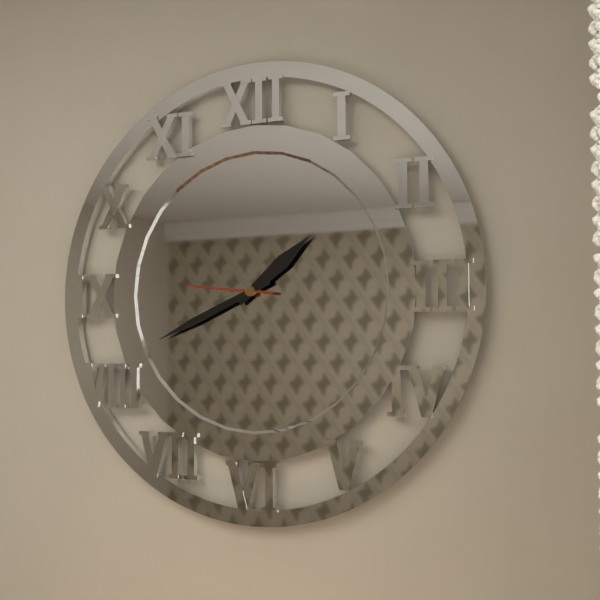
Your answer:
h=1 m=41 s=46
